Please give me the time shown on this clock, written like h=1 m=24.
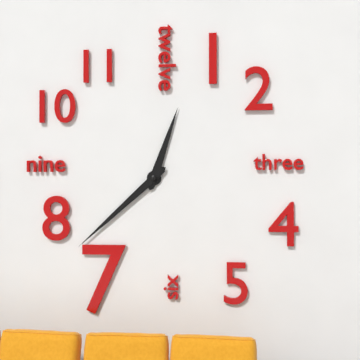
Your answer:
h=12 m=38
